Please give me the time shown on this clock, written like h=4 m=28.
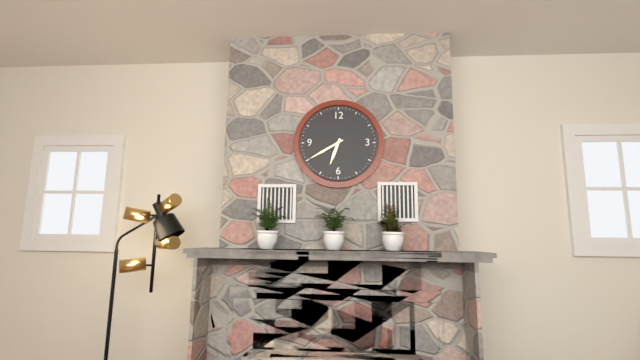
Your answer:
h=6 m=40
